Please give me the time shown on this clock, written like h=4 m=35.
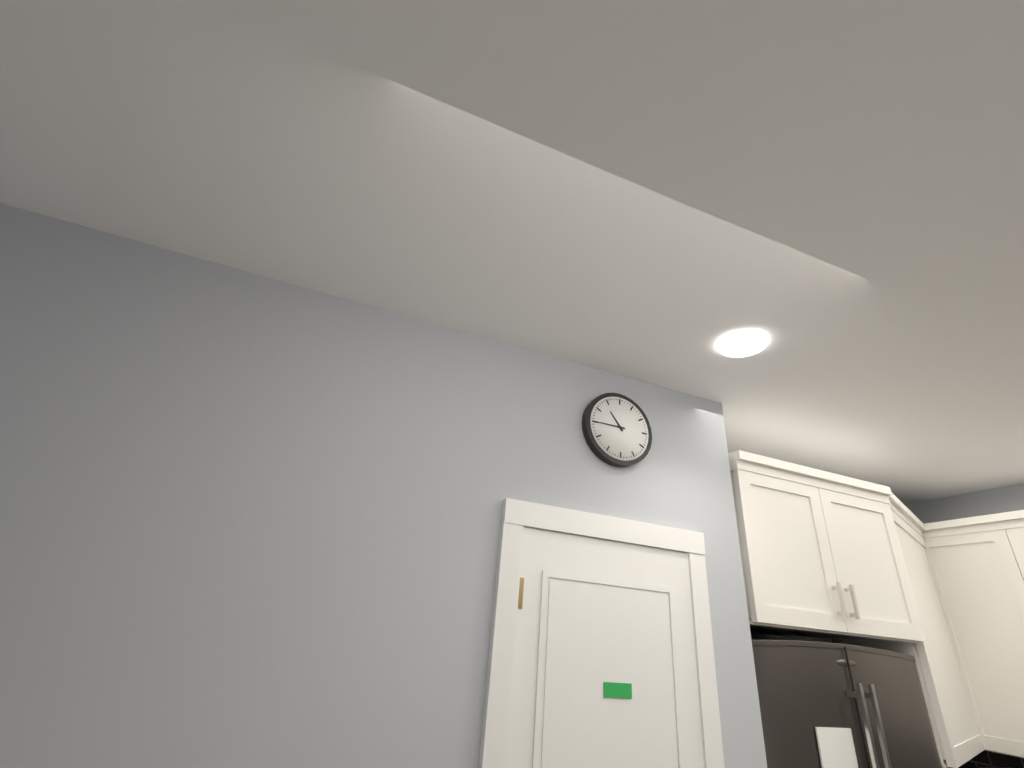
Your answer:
h=10 m=45
